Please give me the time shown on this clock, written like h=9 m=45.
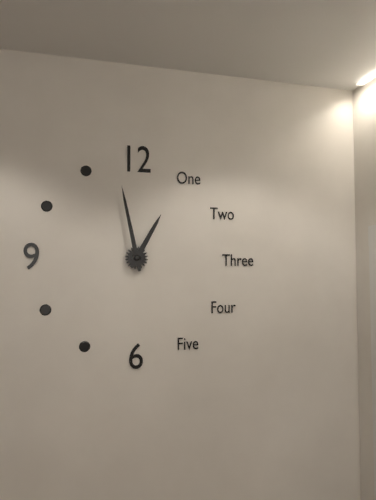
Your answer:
h=12 m=58
